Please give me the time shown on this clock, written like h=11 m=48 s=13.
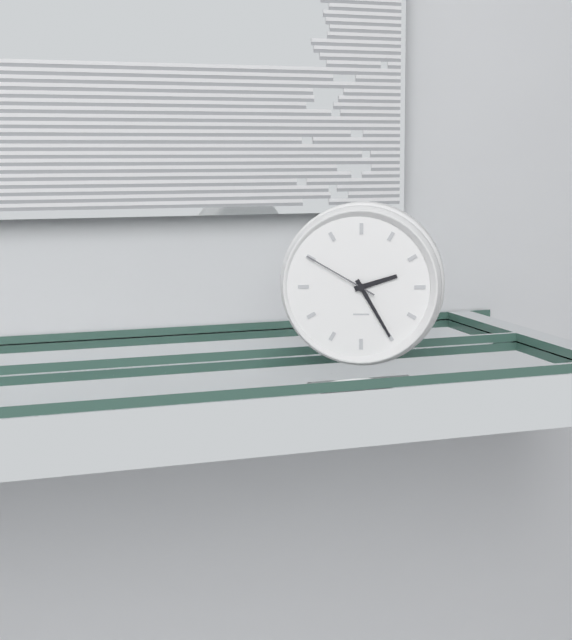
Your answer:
h=2 m=25 s=50
